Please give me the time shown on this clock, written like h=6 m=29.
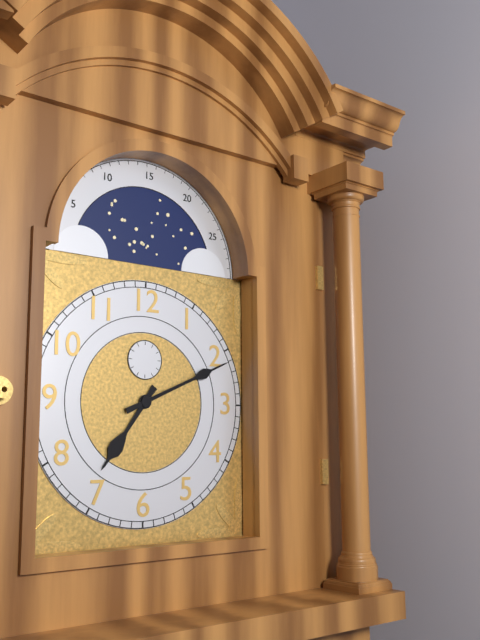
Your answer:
h=7 m=11
